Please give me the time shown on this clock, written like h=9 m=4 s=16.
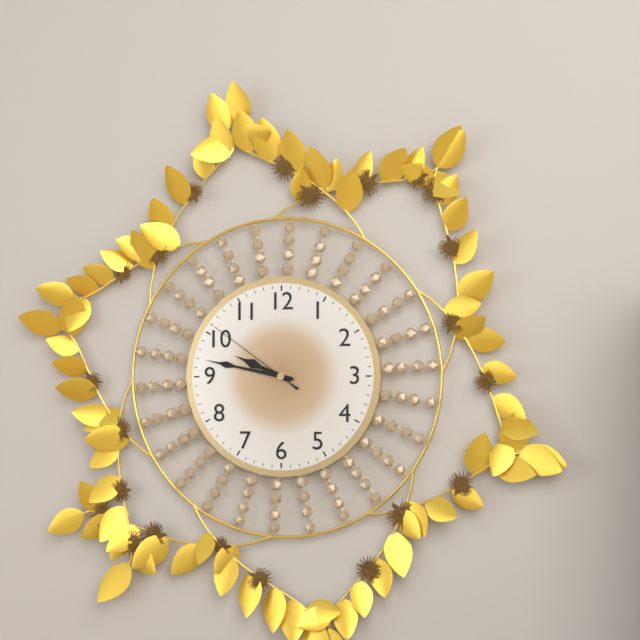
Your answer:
h=9 m=47 s=51
